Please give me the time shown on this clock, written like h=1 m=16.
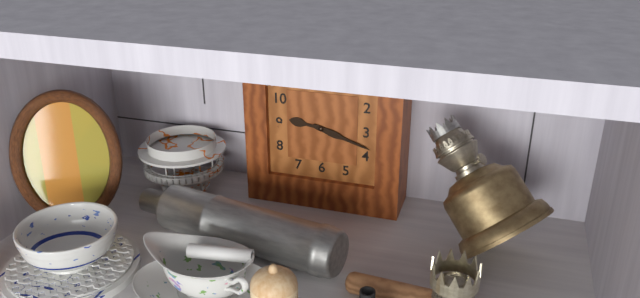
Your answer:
h=9 m=18
